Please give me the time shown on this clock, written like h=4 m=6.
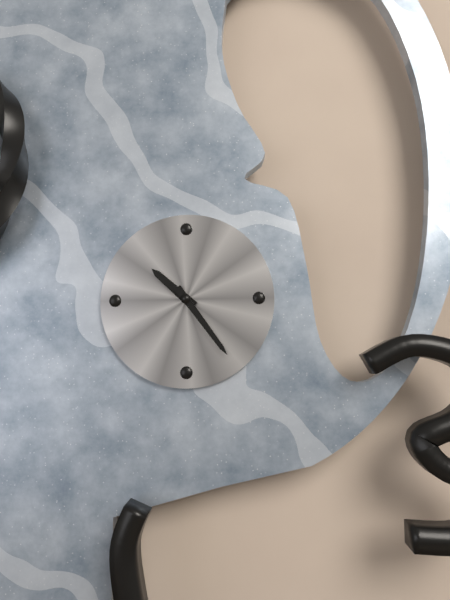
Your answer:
h=10 m=24
